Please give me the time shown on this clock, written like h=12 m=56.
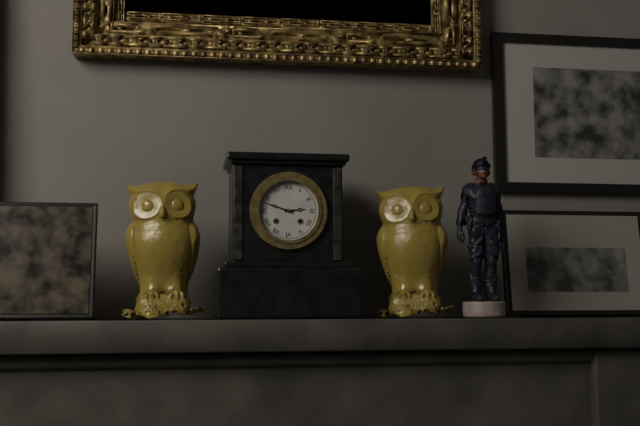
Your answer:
h=2 m=48
